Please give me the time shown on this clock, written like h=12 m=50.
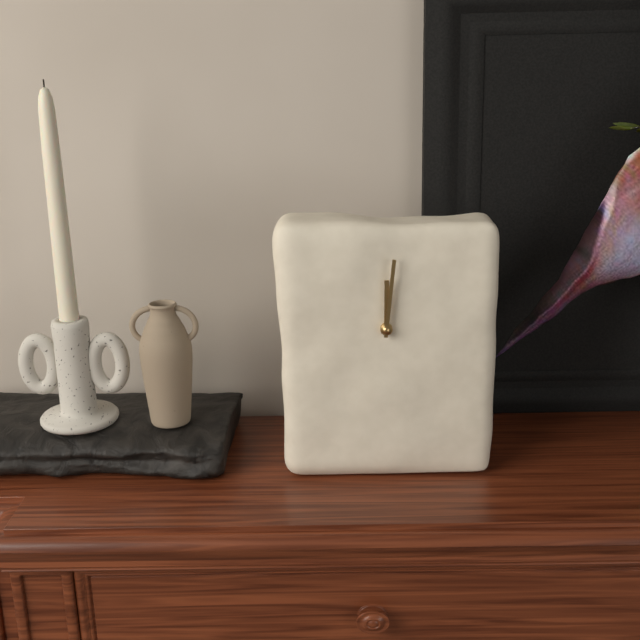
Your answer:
h=12 m=1
